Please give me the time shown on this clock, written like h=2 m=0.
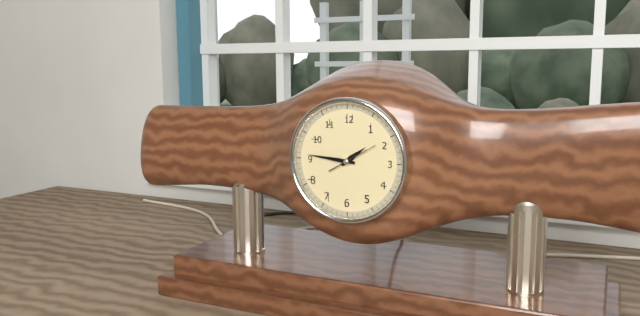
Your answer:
h=1 m=46
